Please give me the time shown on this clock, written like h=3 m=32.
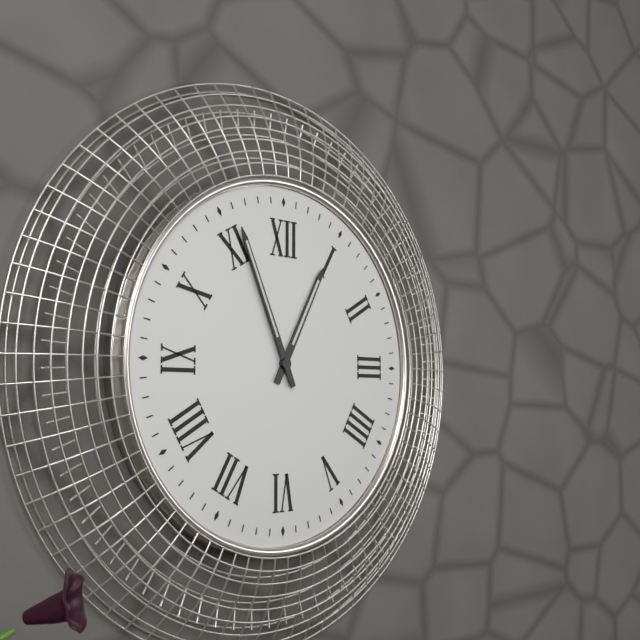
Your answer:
h=12 m=56
